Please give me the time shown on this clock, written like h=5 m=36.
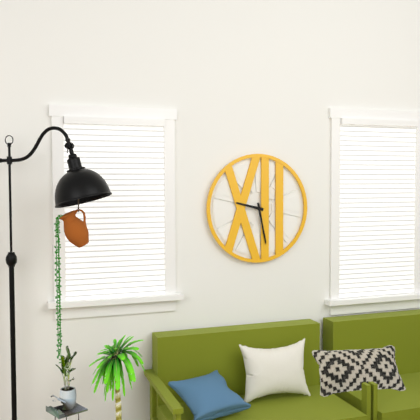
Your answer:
h=9 m=28
